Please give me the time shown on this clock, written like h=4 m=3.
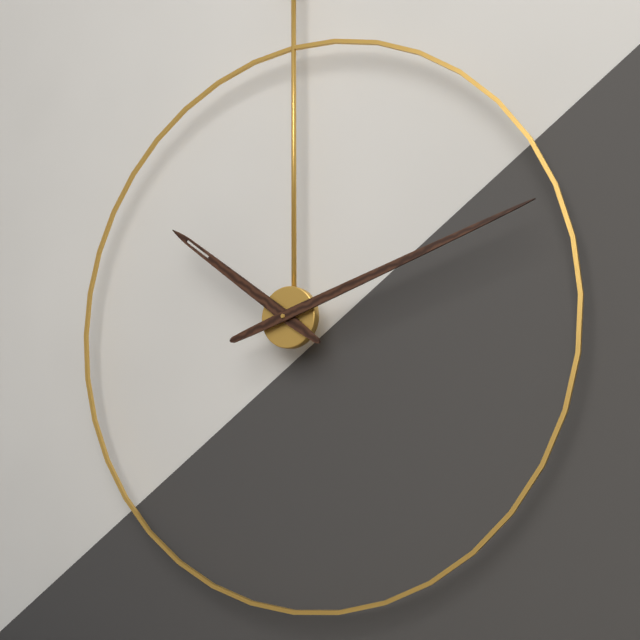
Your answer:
h=10 m=12
